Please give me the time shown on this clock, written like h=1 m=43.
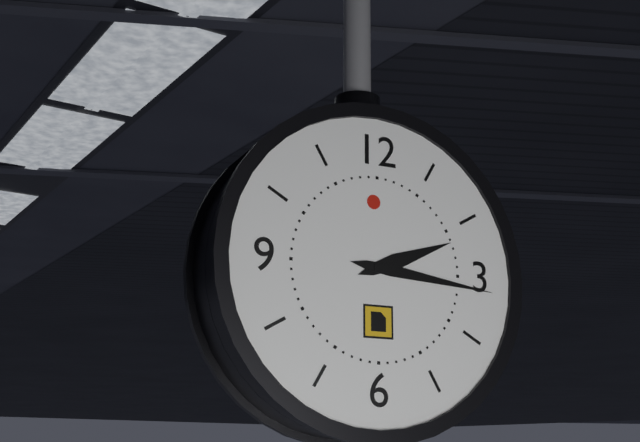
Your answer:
h=2 m=16
